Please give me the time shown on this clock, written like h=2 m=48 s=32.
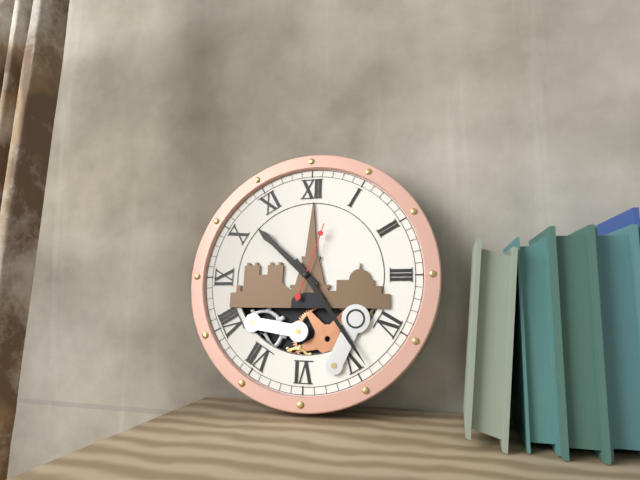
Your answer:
h=10 m=24 s=3
